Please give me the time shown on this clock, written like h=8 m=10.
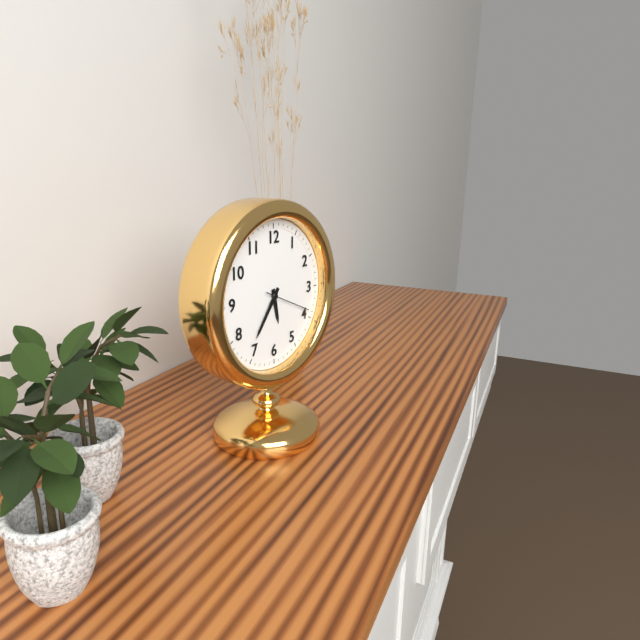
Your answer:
h=5 m=36
